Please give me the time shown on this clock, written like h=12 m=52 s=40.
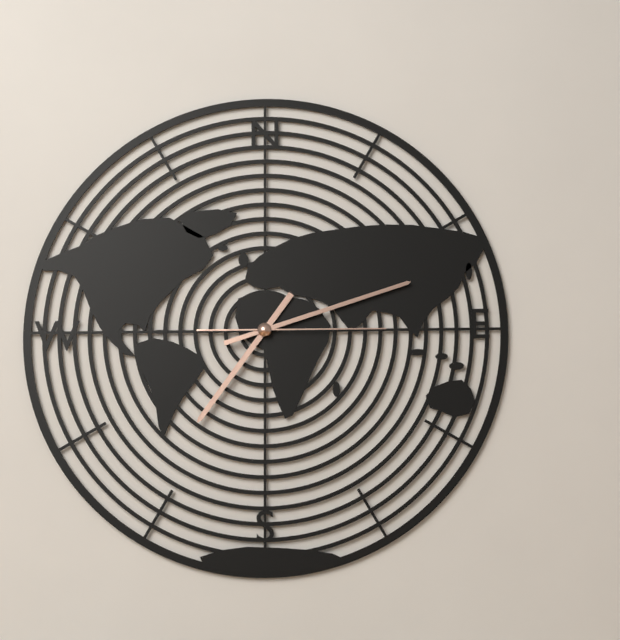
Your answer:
h=7 m=12 s=15
